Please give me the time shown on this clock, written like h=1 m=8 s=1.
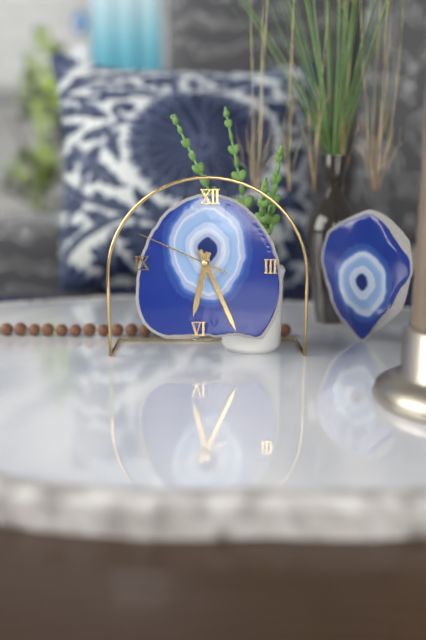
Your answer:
h=6 m=26 s=49
